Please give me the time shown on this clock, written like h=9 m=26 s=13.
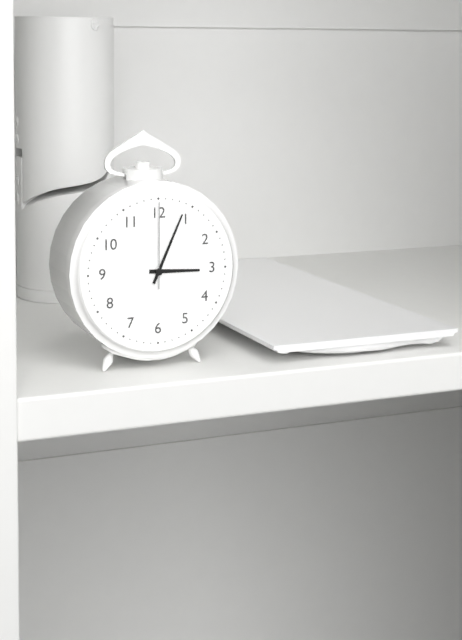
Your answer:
h=3 m=4 s=0
